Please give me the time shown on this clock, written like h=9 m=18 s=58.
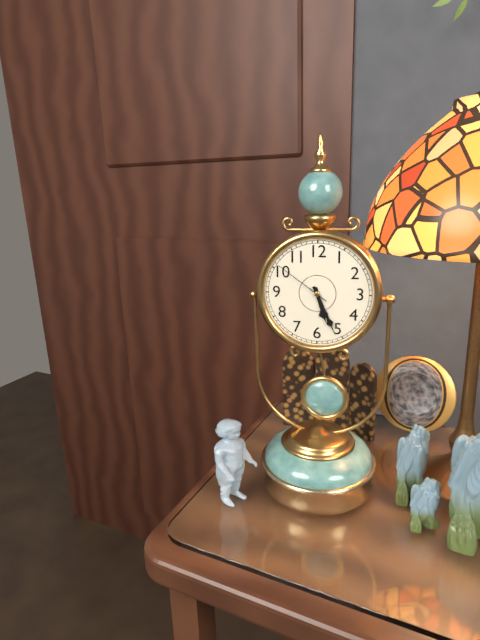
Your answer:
h=5 m=26 s=51
